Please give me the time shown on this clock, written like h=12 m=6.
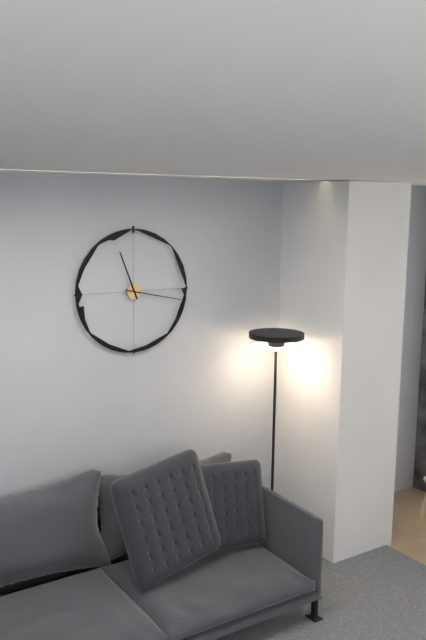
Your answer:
h=11 m=17
